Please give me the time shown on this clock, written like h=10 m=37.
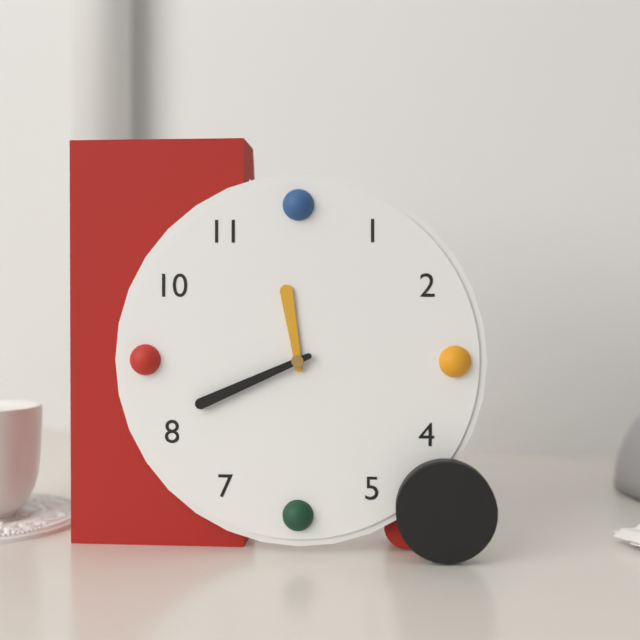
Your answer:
h=11 m=41
